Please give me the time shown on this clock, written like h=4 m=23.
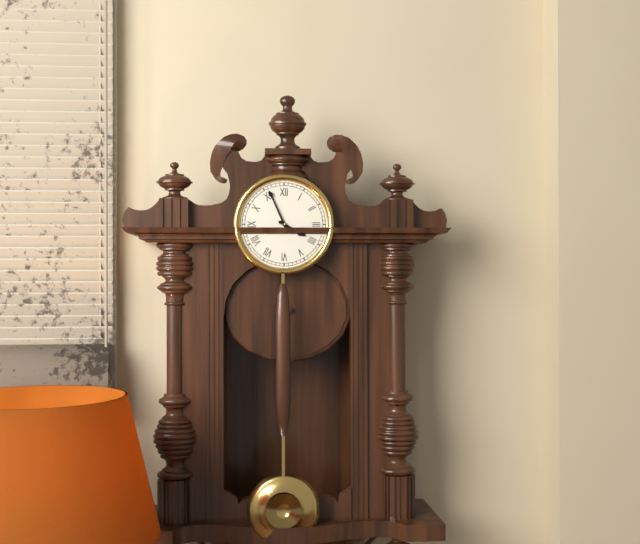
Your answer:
h=3 m=56
